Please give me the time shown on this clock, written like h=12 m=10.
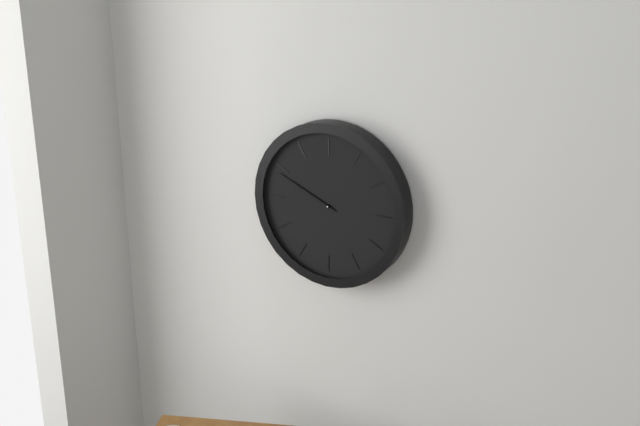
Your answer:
h=9 m=49
